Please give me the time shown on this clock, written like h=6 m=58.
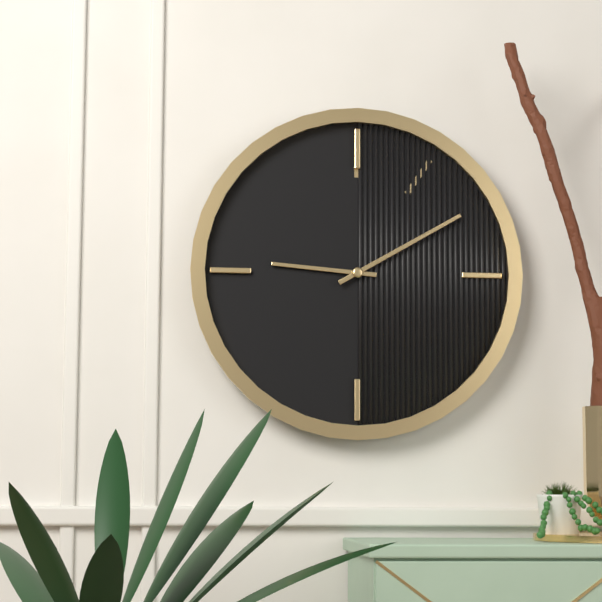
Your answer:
h=9 m=10
